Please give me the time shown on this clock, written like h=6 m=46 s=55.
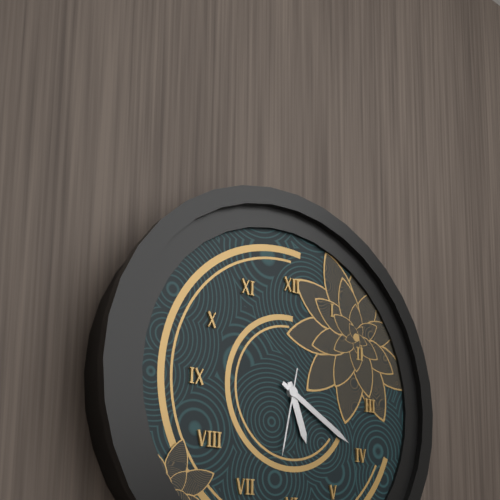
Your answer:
h=5 m=20 s=32
